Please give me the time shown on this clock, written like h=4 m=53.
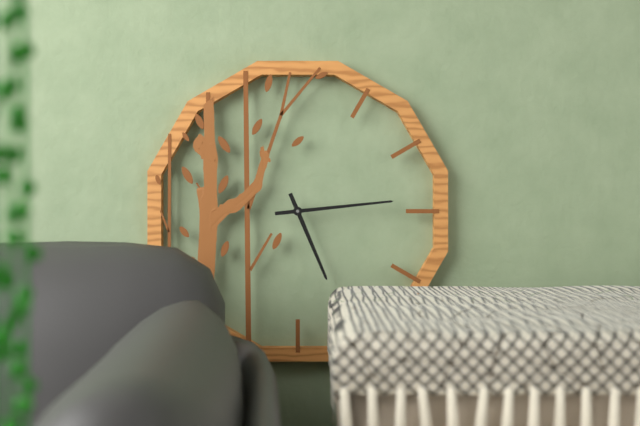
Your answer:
h=5 m=14
